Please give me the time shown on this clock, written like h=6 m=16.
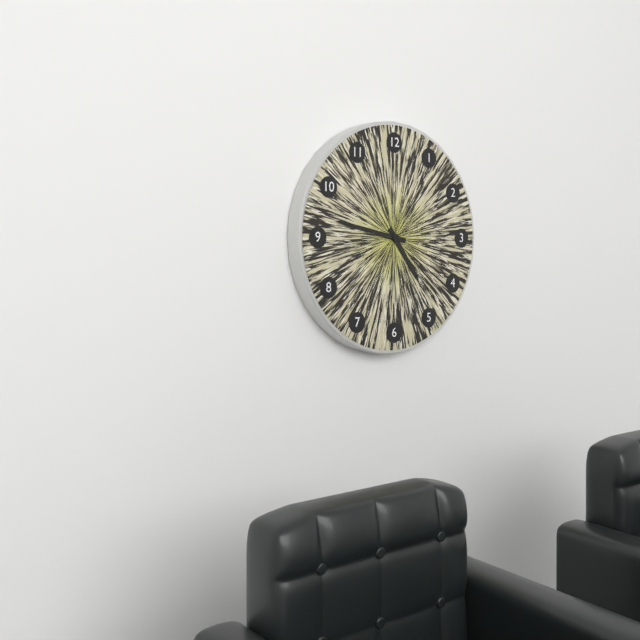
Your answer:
h=4 m=47
